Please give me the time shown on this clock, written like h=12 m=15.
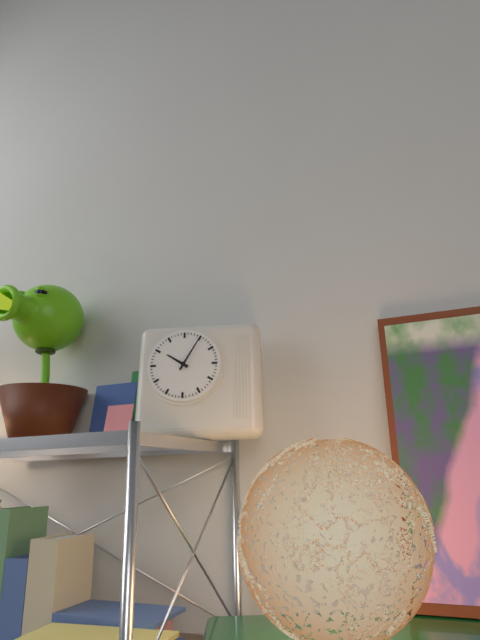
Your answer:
h=10 m=5
